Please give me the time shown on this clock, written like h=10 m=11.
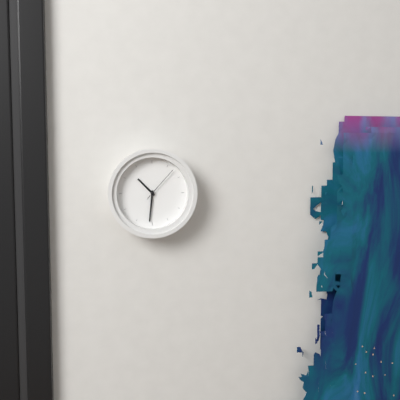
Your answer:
h=10 m=31
